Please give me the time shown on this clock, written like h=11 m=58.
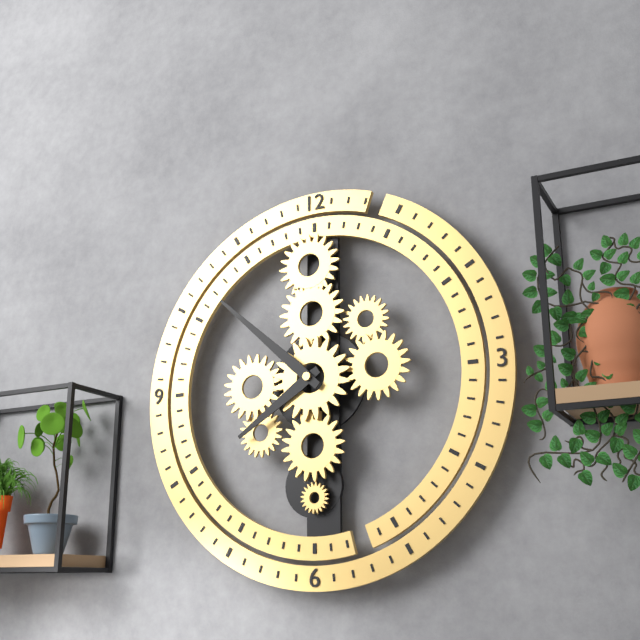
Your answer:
h=7 m=52
